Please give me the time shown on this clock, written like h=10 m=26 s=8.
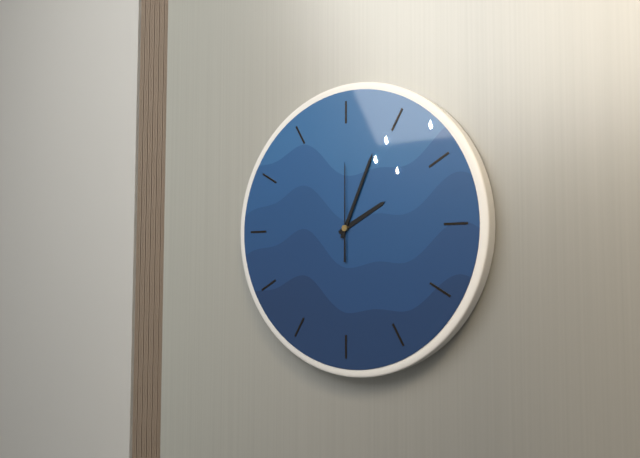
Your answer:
h=2 m=4 s=0
